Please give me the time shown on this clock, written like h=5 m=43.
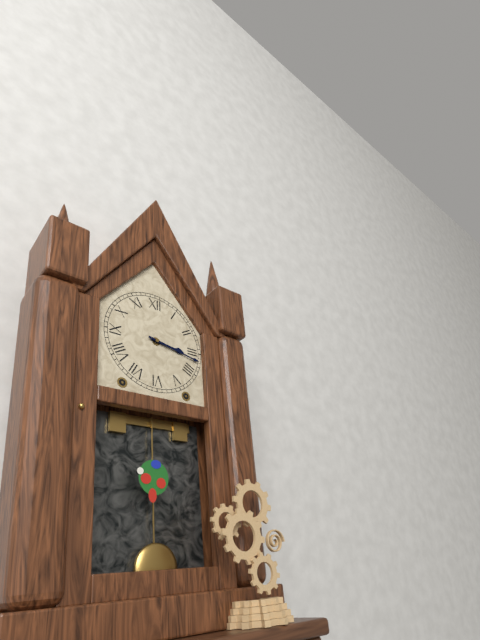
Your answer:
h=3 m=17
